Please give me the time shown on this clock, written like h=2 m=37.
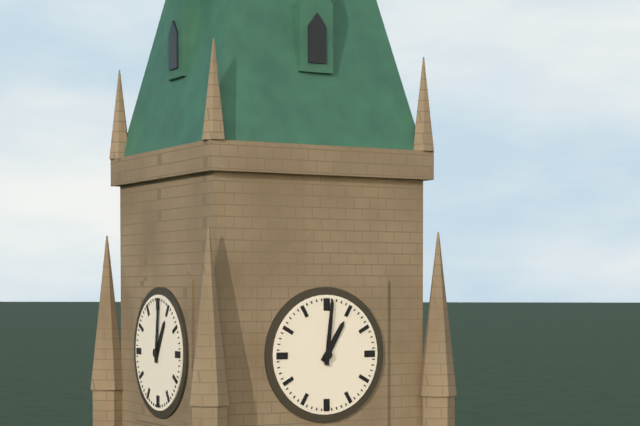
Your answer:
h=1 m=1
